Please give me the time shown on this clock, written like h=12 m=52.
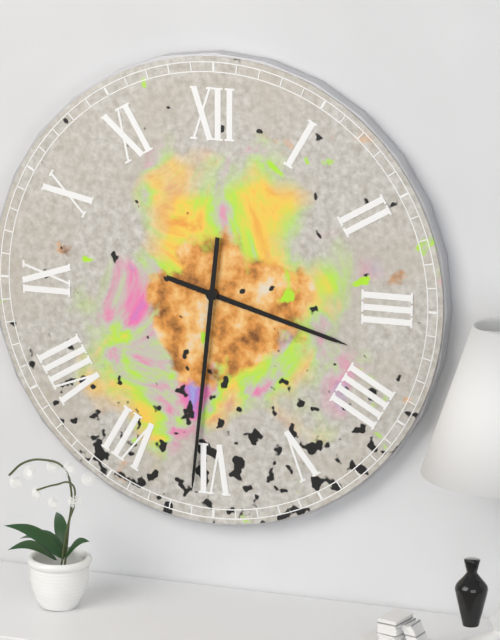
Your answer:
h=3 m=31
